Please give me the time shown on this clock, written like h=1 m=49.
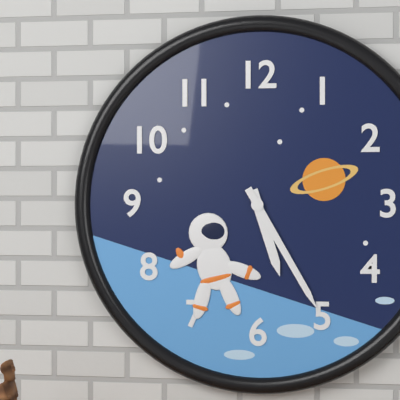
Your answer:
h=5 m=25
